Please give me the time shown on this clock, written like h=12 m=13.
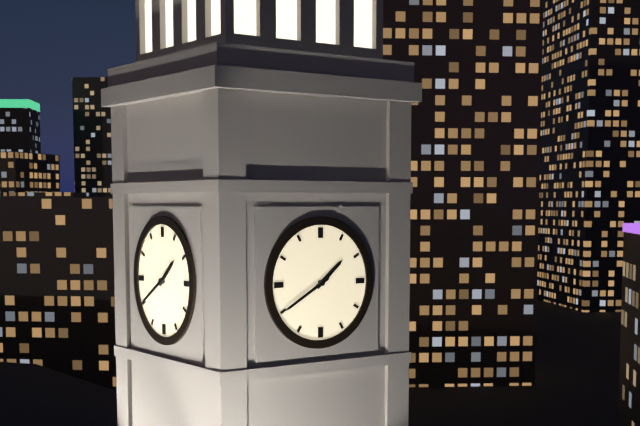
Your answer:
h=1 m=40
